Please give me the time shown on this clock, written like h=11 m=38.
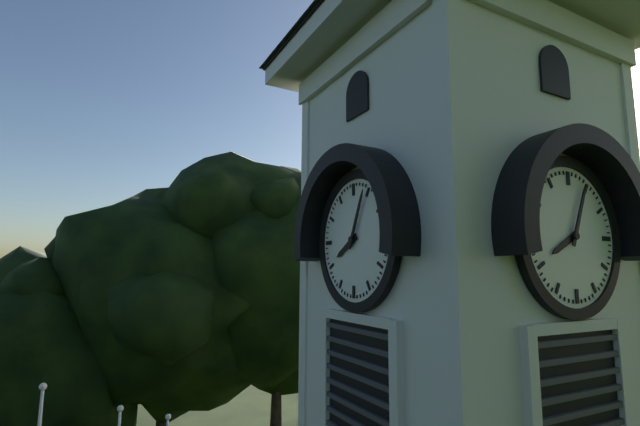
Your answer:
h=8 m=4
